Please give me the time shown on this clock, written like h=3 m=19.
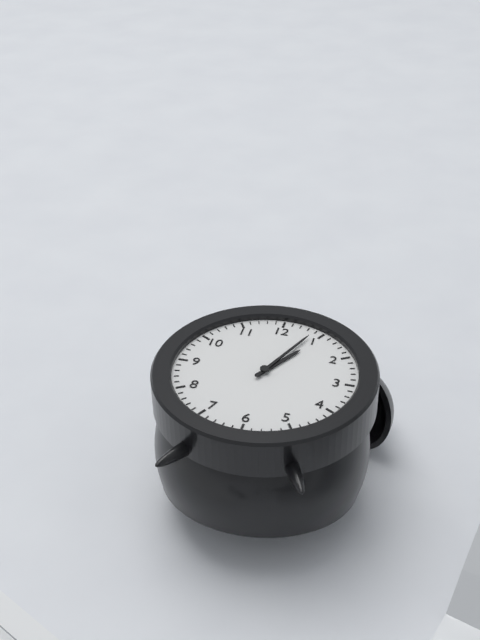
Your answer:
h=1 m=4
